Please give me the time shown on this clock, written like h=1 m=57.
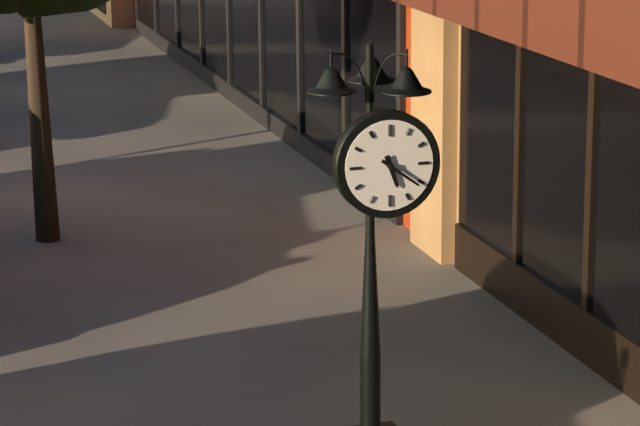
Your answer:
h=5 m=21
